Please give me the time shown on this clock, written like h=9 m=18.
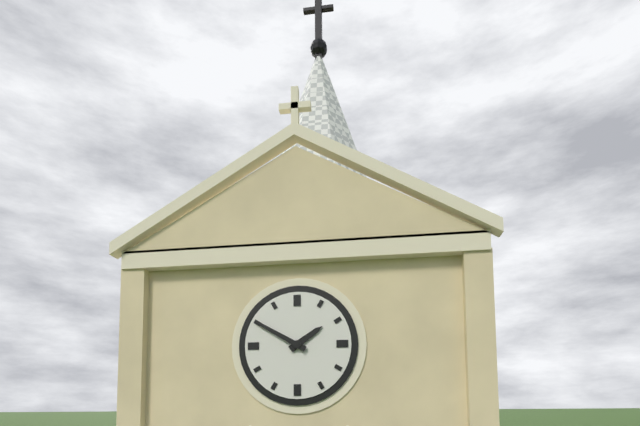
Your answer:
h=1 m=50
